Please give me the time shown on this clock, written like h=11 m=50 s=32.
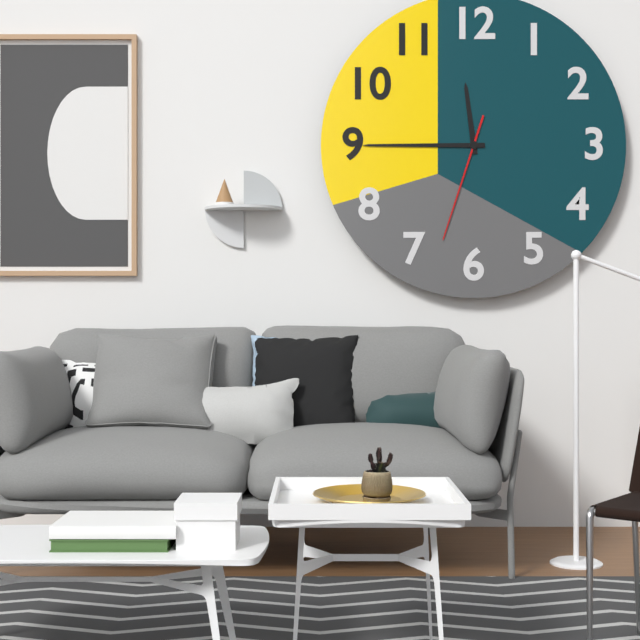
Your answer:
h=11 m=45 s=33
